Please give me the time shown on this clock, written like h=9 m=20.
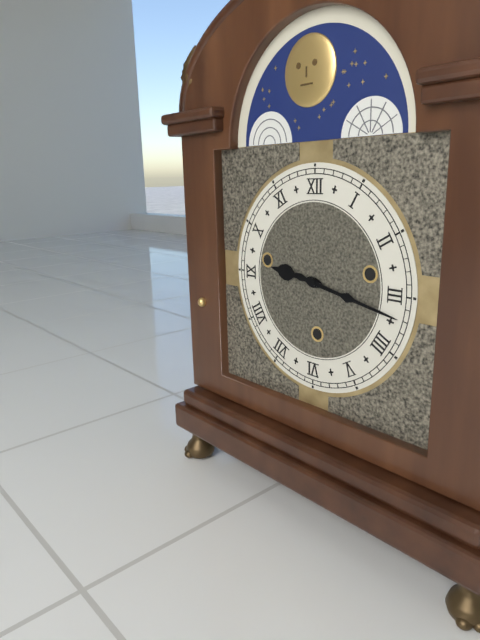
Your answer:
h=9 m=17
